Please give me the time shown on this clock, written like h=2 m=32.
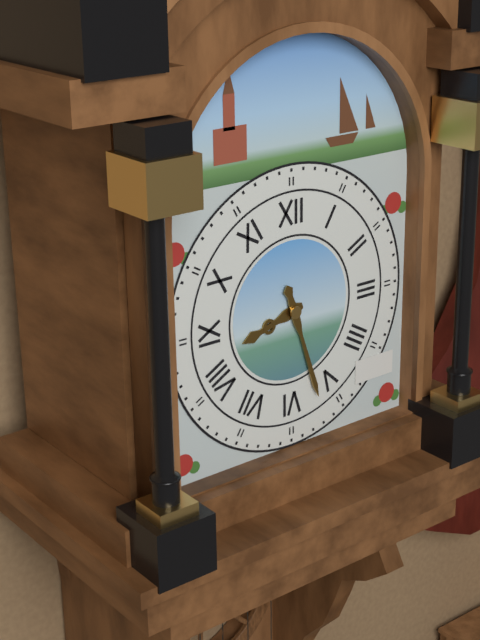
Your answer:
h=8 m=27
